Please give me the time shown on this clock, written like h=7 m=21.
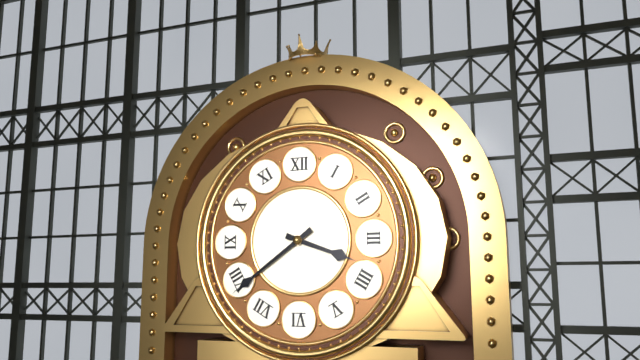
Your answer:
h=3 m=39
